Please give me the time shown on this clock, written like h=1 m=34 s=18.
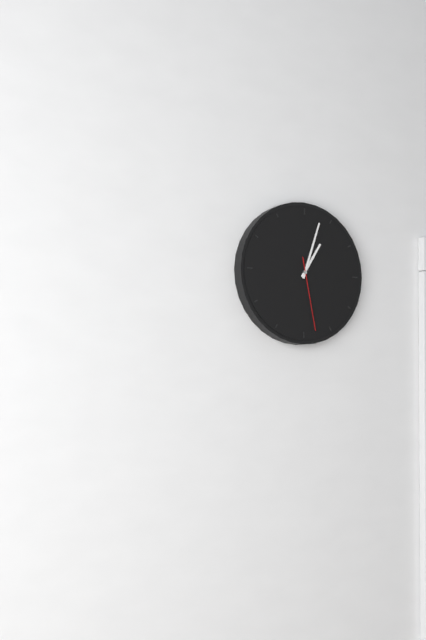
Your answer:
h=1 m=3 s=28
